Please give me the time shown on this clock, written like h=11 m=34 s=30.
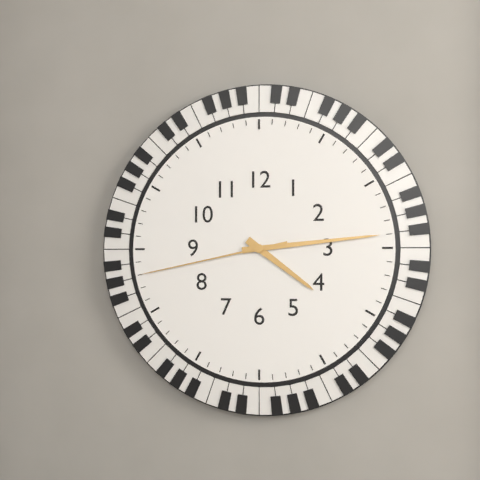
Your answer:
h=4 m=14 s=43
